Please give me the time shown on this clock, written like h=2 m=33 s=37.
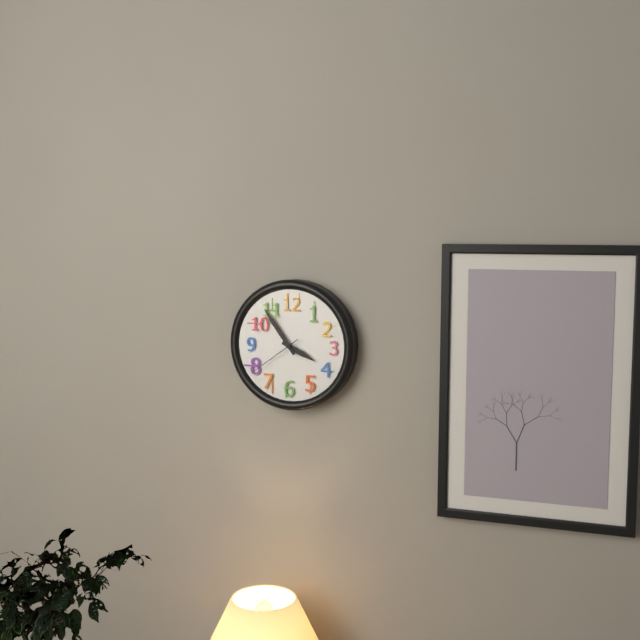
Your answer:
h=3 m=54 s=39
